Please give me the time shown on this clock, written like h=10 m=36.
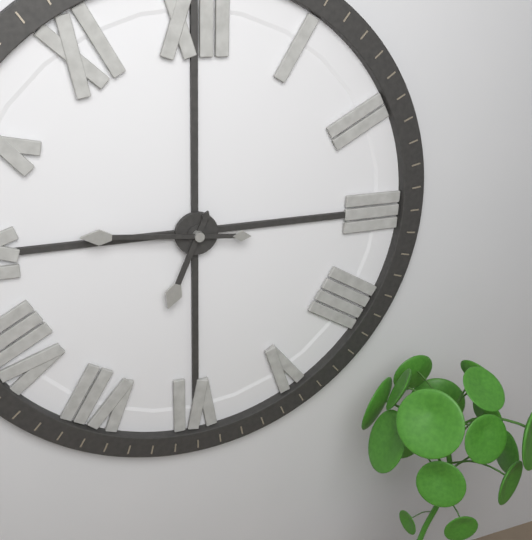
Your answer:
h=6 m=46
